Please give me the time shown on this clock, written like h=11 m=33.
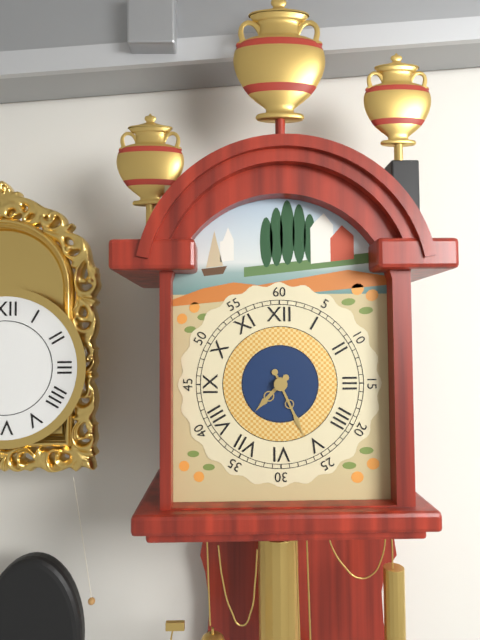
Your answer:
h=7 m=26
